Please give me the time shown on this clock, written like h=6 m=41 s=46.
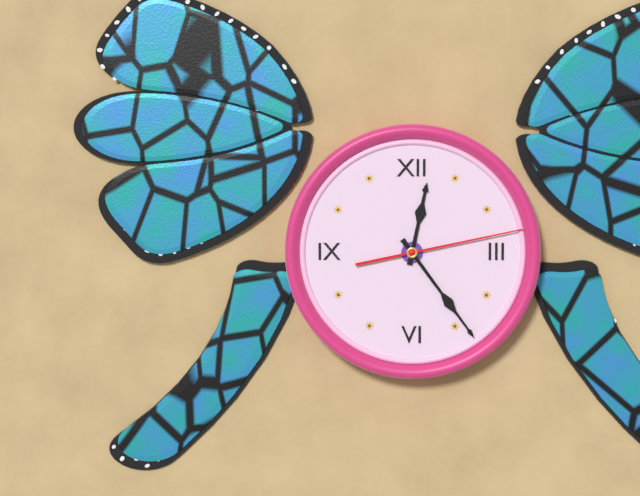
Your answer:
h=12 m=24 s=13
